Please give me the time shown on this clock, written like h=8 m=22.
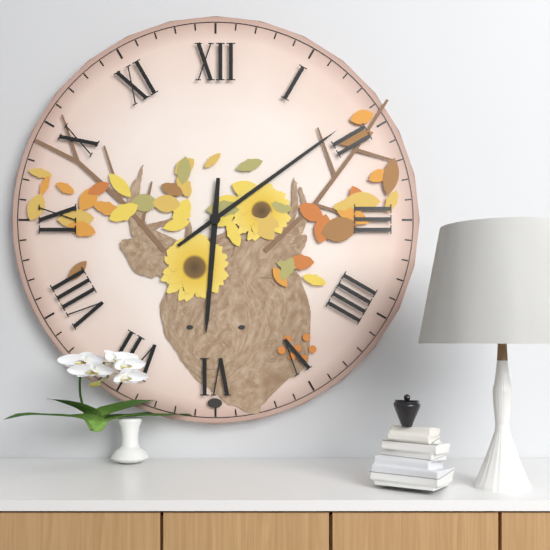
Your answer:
h=6 m=9
